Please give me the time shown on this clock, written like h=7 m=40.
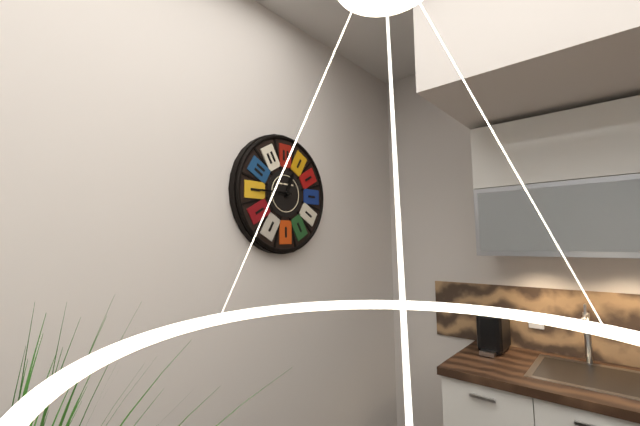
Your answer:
h=12 m=45
